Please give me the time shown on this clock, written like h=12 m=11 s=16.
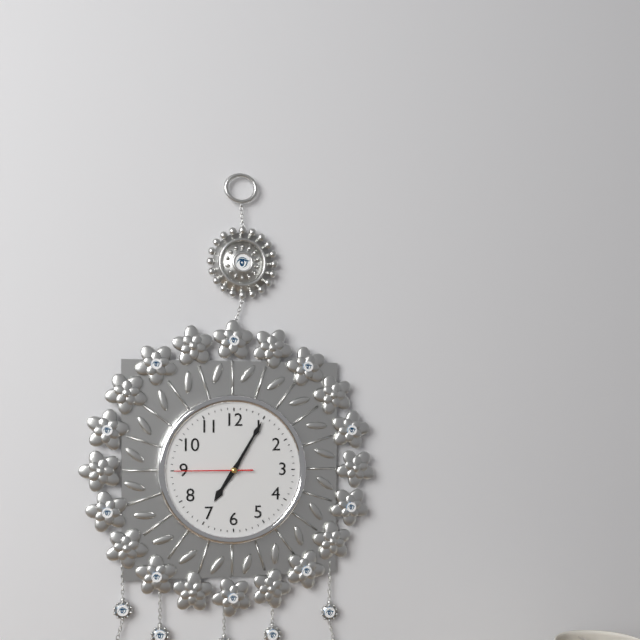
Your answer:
h=7 m=5 s=45
